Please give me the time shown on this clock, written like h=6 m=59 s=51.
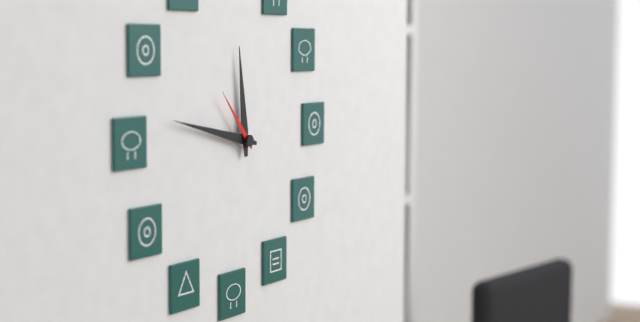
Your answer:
h=11 m=47 s=53
